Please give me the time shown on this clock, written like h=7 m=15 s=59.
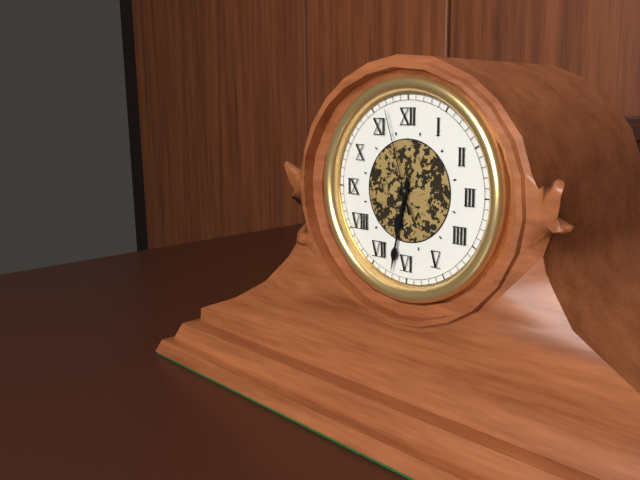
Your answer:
h=6 m=32 s=57
